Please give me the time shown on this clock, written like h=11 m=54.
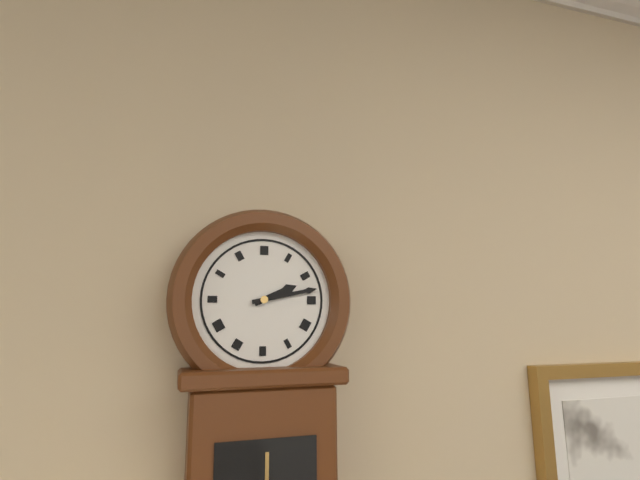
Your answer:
h=2 m=13
